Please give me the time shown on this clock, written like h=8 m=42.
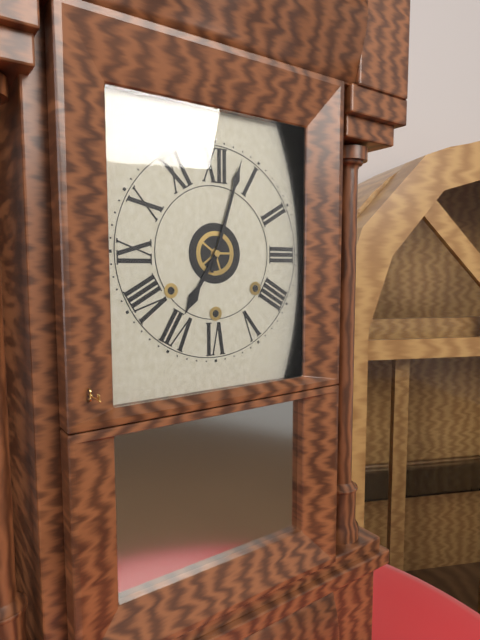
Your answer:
h=7 m=3
